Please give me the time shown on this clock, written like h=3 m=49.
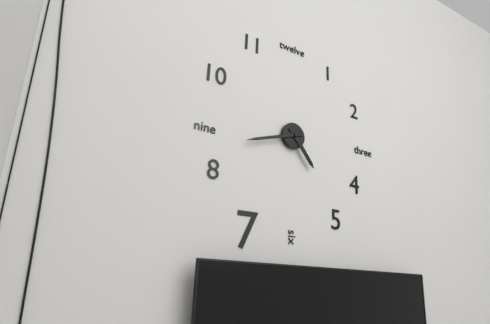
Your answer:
h=4 m=42
